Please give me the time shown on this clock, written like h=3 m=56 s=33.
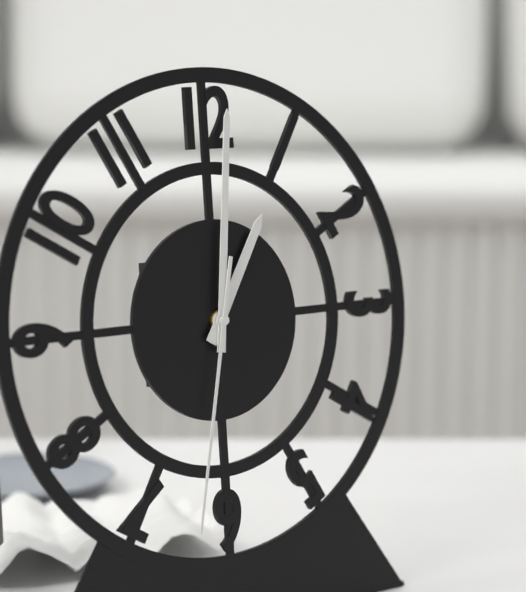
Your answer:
h=1 m=1 s=32
